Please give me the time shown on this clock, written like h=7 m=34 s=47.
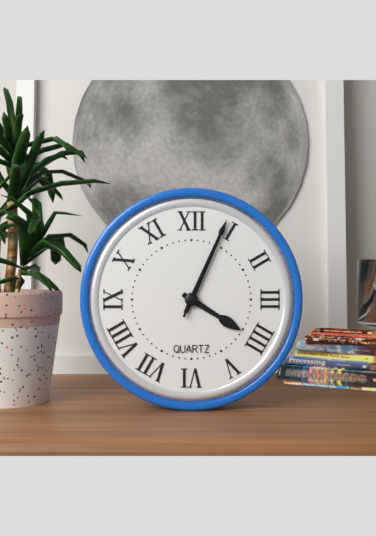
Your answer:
h=4 m=4 s=4
